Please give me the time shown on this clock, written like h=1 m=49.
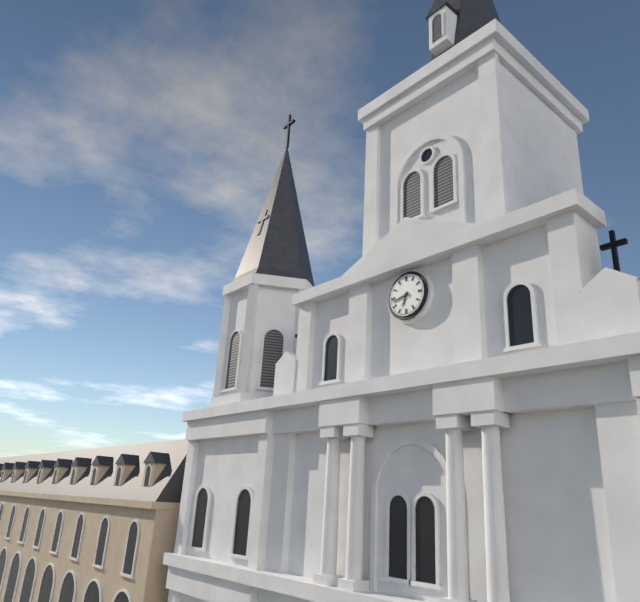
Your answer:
h=6 m=43
